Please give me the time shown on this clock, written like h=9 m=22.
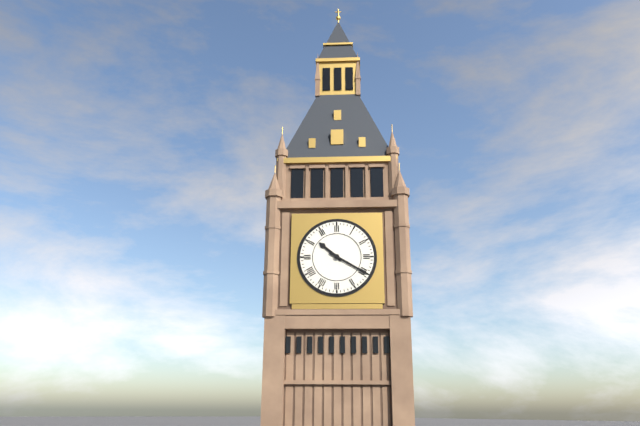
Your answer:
h=10 m=20
